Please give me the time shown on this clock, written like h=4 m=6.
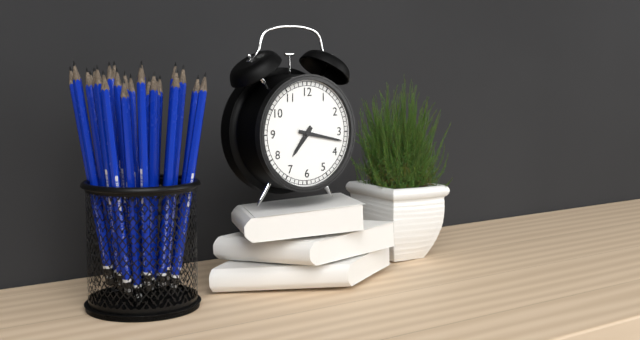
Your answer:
h=7 m=17
